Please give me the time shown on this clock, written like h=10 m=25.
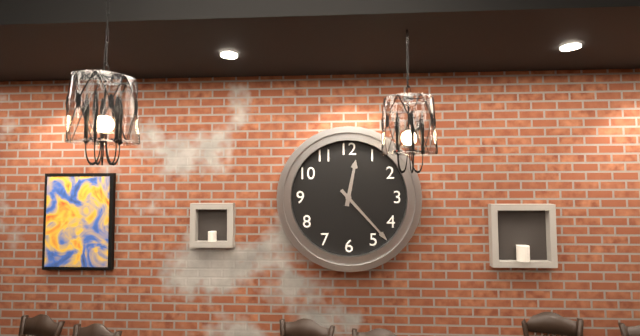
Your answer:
h=12 m=23
